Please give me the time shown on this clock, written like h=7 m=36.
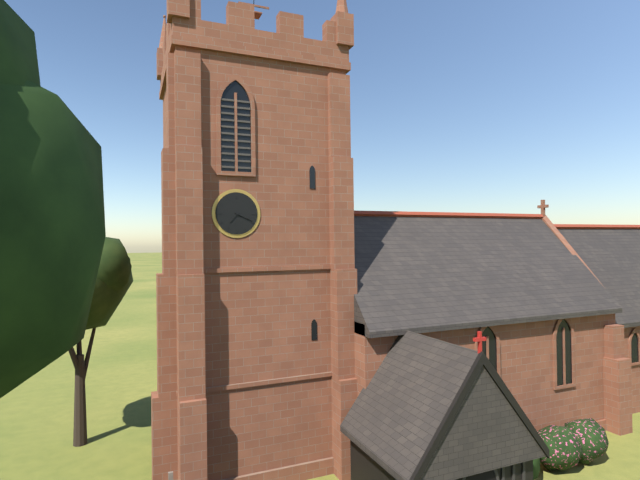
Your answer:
h=7 m=19
